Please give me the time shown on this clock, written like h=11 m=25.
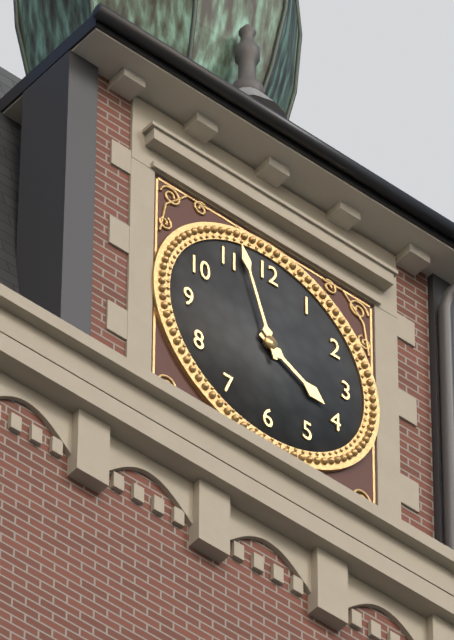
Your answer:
h=3 m=57
